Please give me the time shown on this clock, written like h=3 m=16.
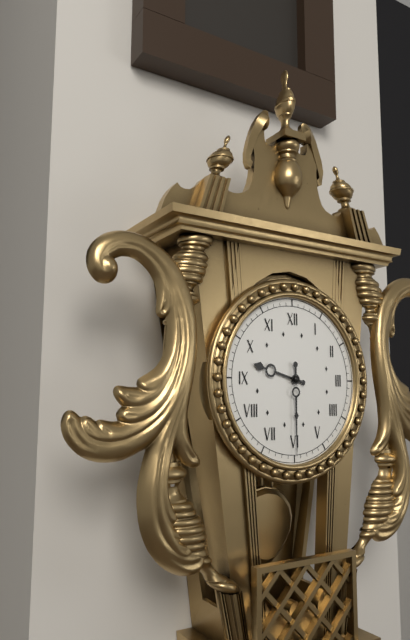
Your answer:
h=9 m=30
